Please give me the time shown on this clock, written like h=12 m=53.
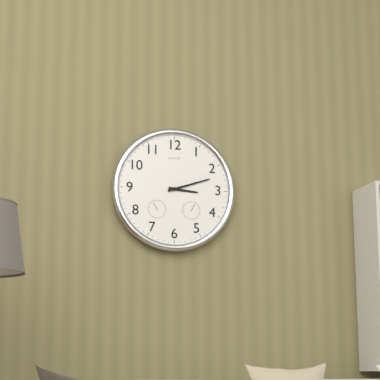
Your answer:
h=3 m=12
